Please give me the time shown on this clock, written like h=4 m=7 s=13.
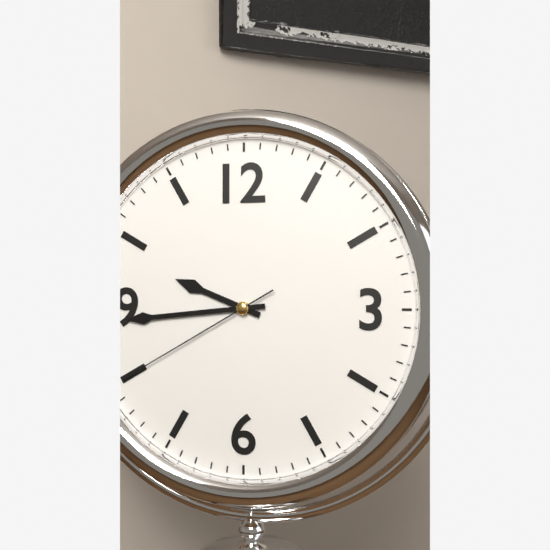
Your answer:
h=9 m=44 s=40
